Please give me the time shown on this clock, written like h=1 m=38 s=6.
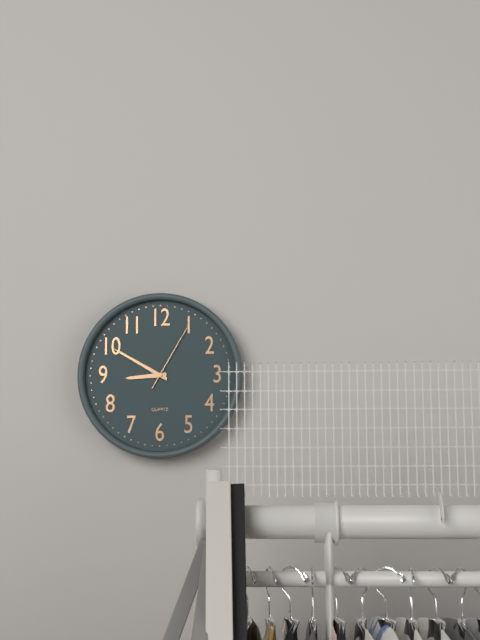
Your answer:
h=8 m=50 s=5
